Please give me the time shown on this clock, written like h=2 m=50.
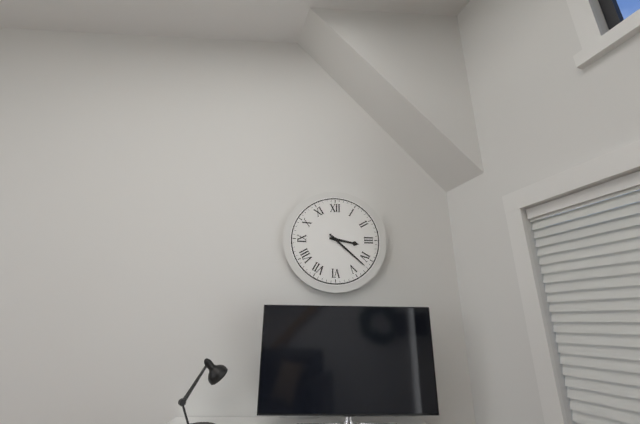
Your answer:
h=3 m=22
